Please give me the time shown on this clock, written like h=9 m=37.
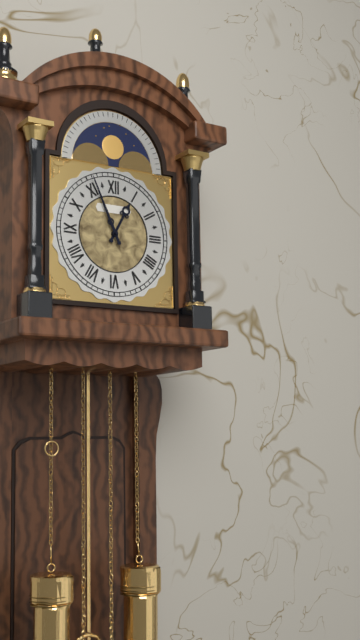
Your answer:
h=12 m=56
